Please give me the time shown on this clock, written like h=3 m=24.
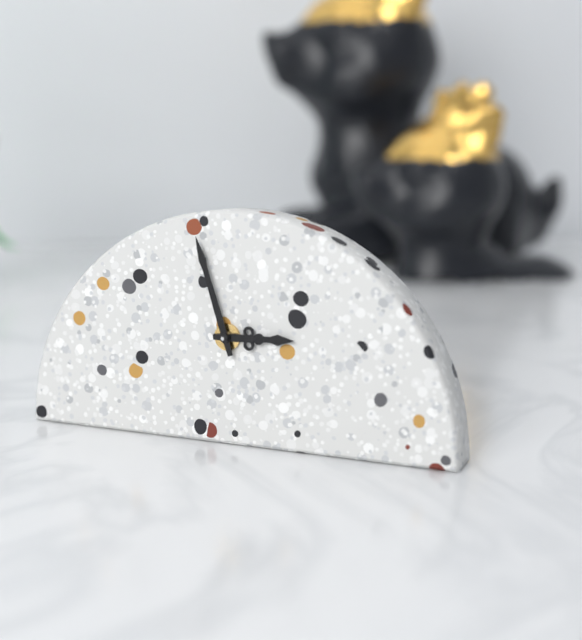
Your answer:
h=2 m=57
